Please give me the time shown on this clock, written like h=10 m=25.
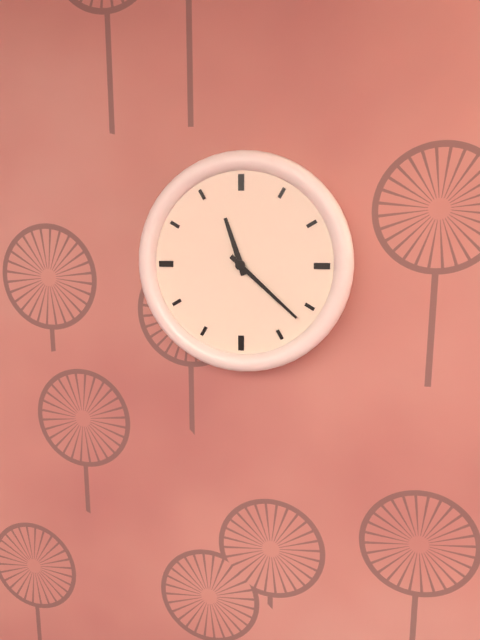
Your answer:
h=11 m=22
